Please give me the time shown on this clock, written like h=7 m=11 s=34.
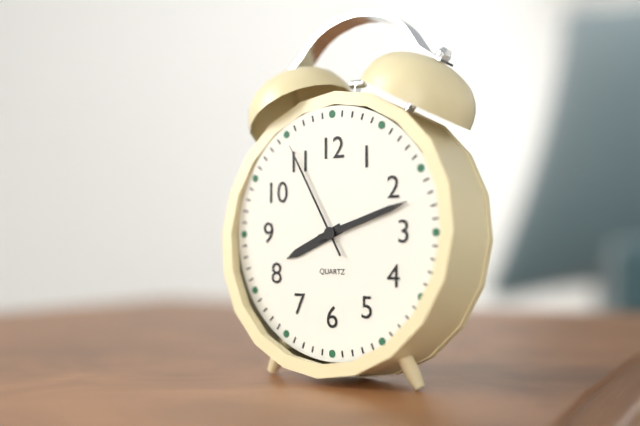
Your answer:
h=8 m=12 s=55
